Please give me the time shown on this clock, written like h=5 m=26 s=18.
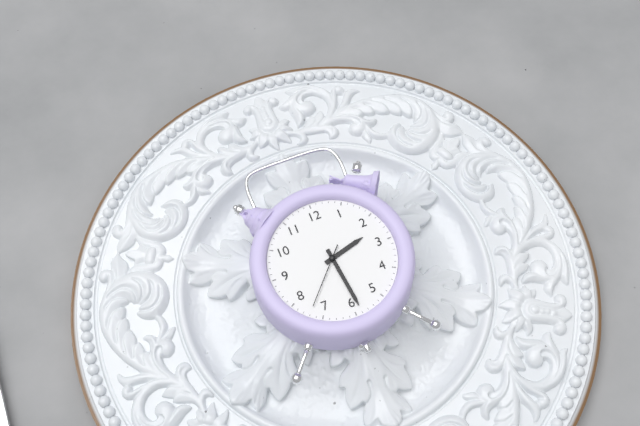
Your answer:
h=2 m=29 s=37
